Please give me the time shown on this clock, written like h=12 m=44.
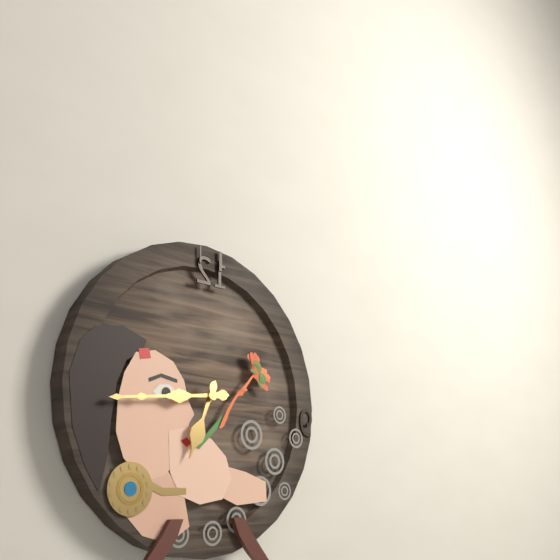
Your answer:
h=6 m=44
